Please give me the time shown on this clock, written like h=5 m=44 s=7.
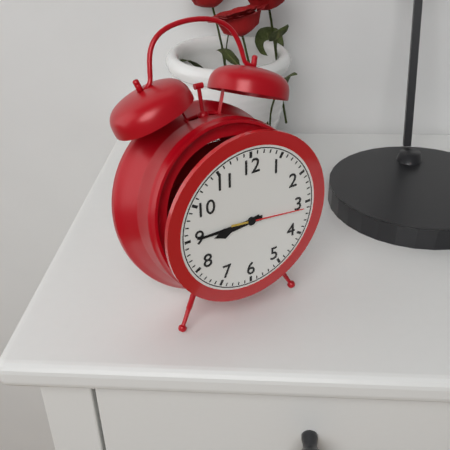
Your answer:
h=8 m=45 s=16
